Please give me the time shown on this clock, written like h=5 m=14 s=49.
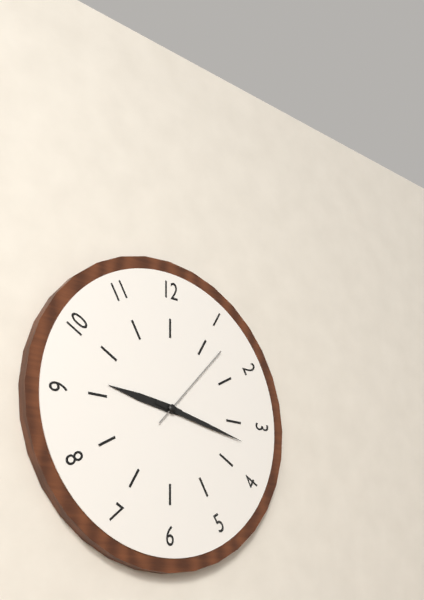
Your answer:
h=9 m=17 s=7
